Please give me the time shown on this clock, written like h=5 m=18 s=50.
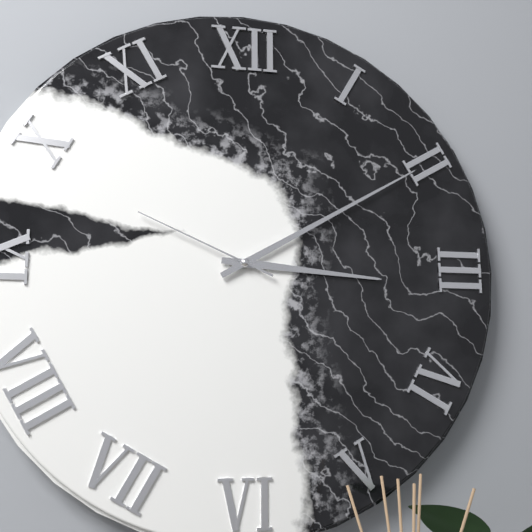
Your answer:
h=3 m=10 s=49
